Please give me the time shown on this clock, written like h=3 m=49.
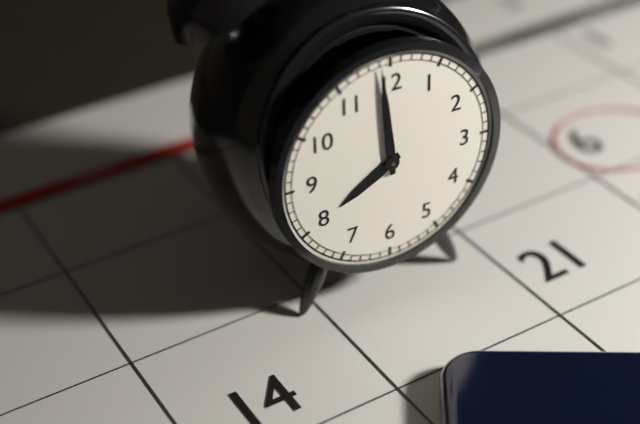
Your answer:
h=7 m=59
